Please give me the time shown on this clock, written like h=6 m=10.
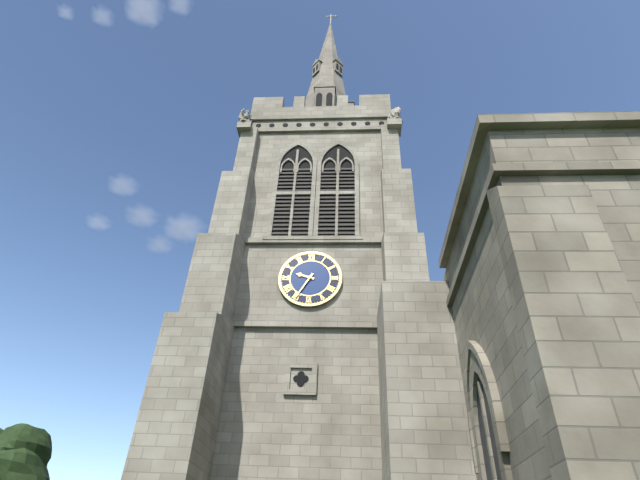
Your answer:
h=9 m=35
